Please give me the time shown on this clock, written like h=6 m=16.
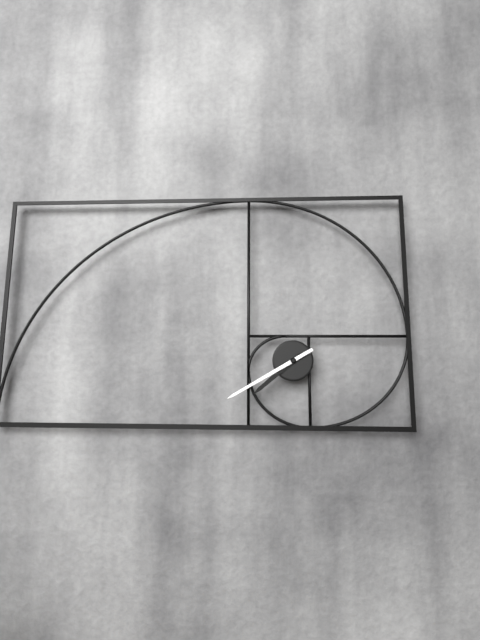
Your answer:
h=7 m=40
